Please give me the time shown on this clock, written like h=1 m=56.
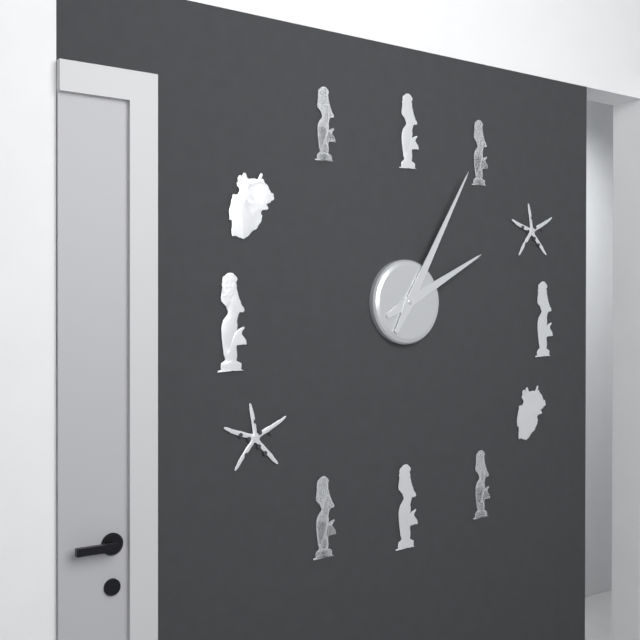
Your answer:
h=2 m=5
